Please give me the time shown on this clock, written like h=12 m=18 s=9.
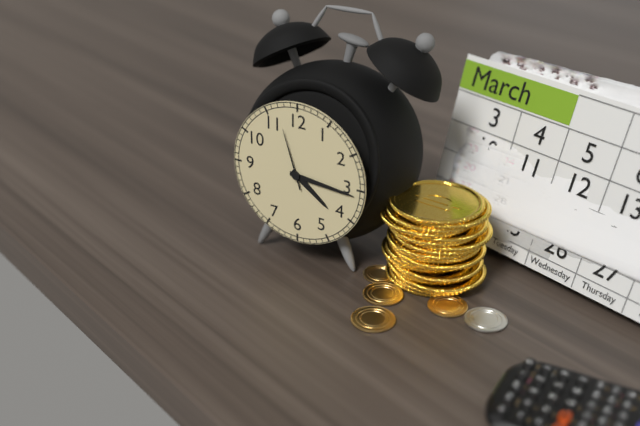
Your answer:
h=4 m=16 s=57
